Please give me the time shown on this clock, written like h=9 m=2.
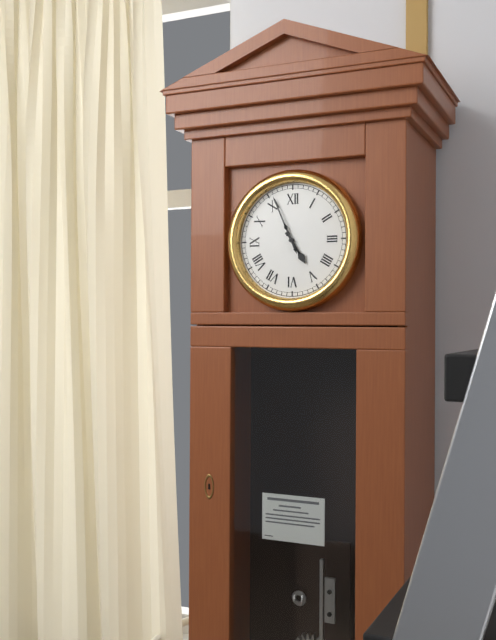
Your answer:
h=4 m=56
